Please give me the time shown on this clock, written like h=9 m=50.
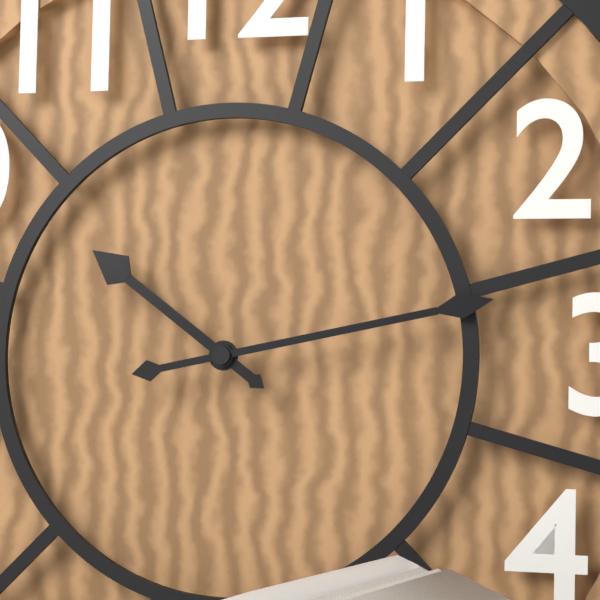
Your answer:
h=10 m=13
